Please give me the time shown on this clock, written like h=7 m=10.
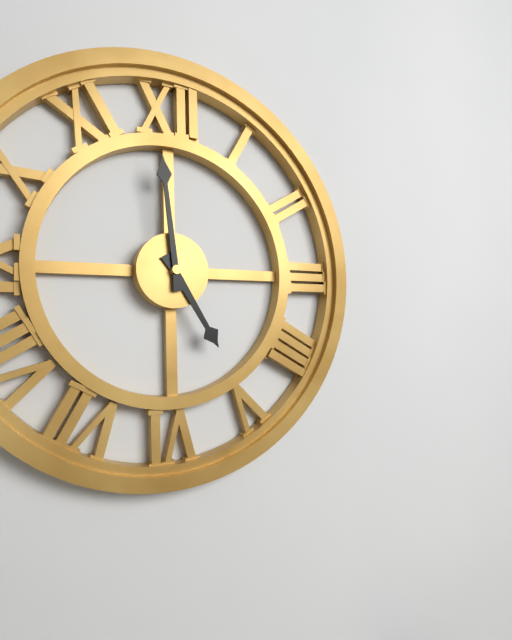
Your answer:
h=4 m=59
